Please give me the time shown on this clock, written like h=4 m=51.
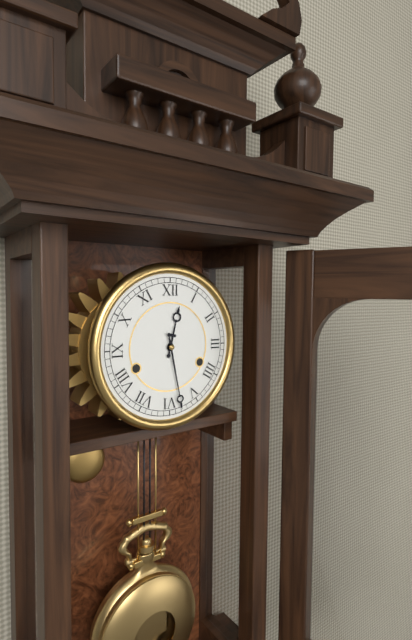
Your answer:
h=12 m=28
